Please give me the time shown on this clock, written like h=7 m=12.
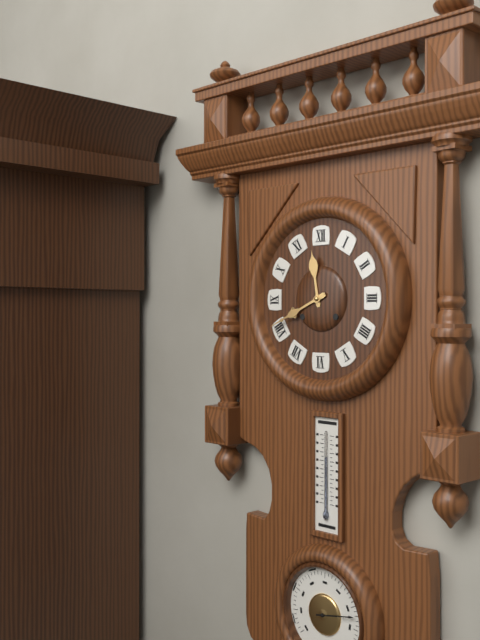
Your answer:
h=11 m=41
